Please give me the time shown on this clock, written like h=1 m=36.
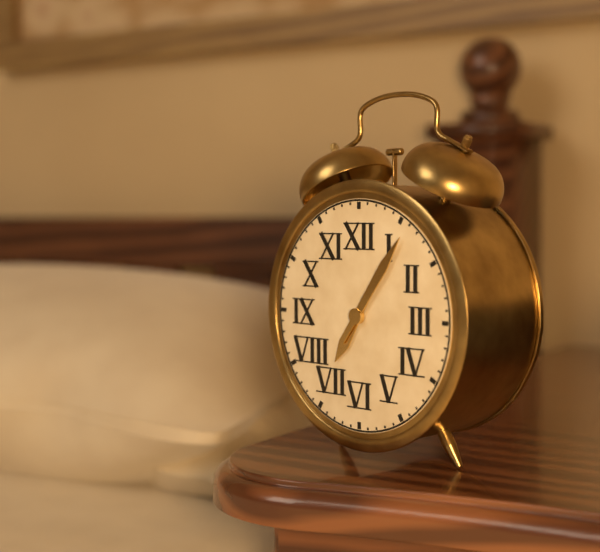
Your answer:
h=7 m=6
